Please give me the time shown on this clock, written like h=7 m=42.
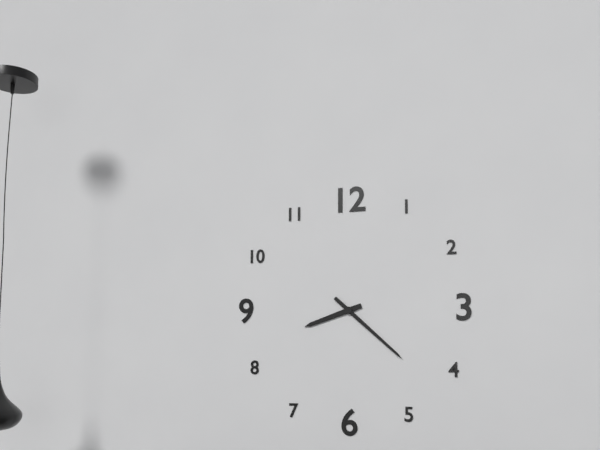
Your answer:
h=8 m=22
